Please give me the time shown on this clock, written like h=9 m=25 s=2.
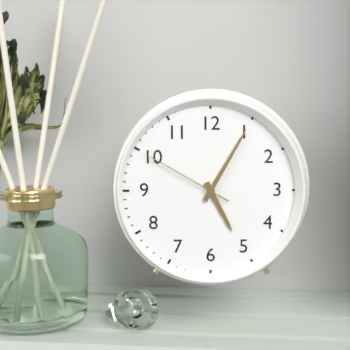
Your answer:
h=5 m=5 s=50
